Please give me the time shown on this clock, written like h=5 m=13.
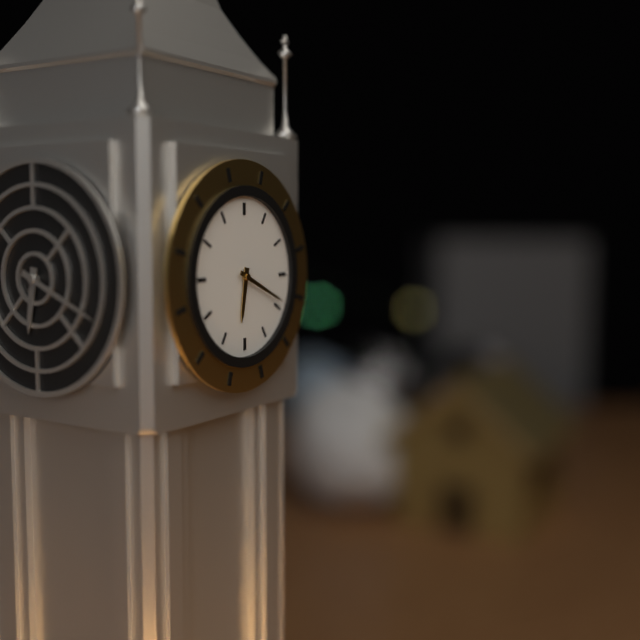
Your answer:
h=6 m=19
